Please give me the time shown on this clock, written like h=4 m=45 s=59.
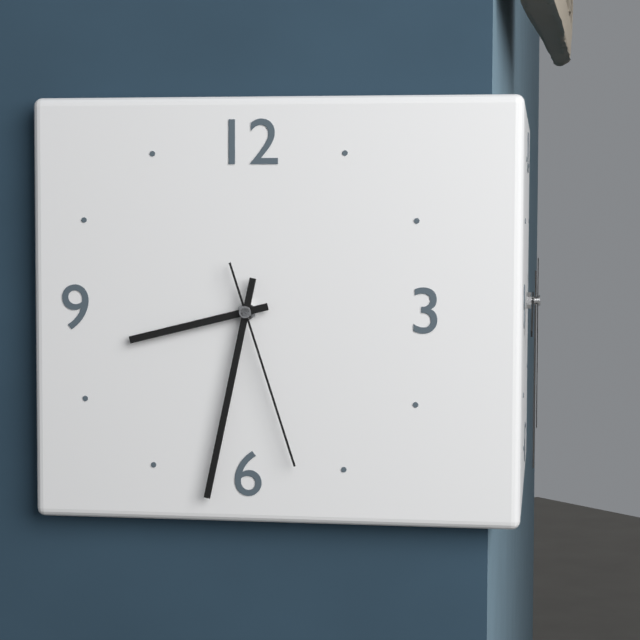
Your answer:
h=8 m=32 s=27
